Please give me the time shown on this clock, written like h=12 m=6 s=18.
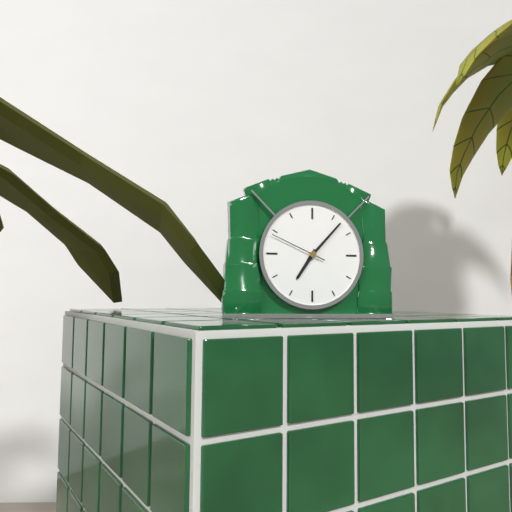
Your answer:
h=7 m=7 s=49
